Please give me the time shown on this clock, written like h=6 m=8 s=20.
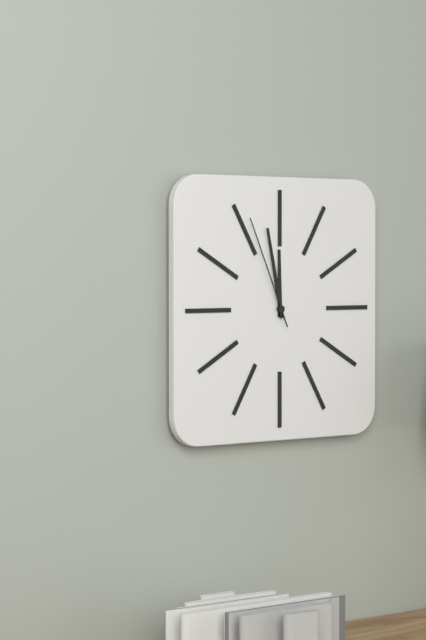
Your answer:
h=11 m=58 s=56
